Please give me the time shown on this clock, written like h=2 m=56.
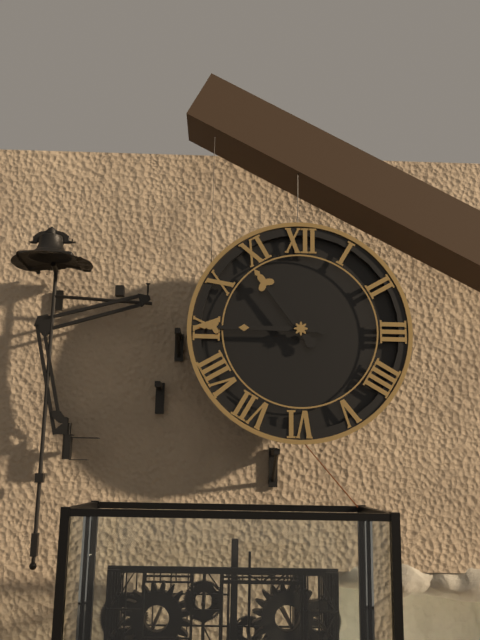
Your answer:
h=10 m=45
